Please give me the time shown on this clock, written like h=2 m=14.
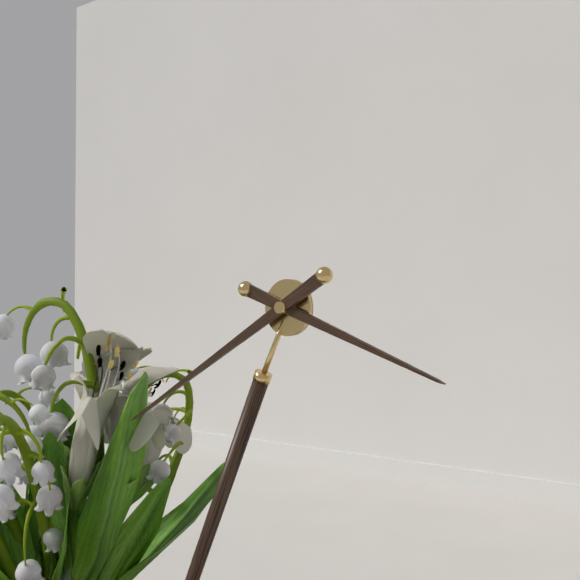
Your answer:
h=3 m=40
